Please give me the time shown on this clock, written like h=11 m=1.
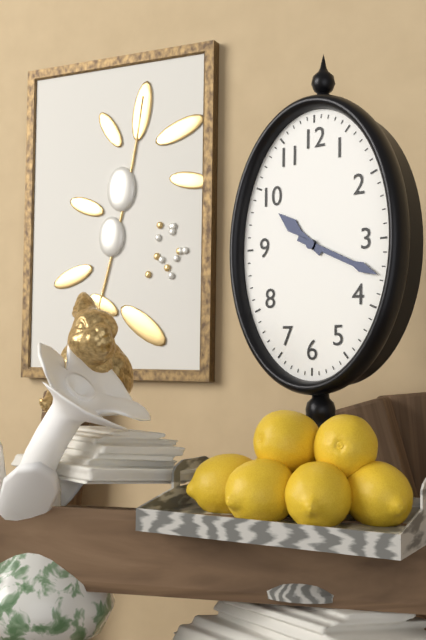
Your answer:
h=10 m=19
